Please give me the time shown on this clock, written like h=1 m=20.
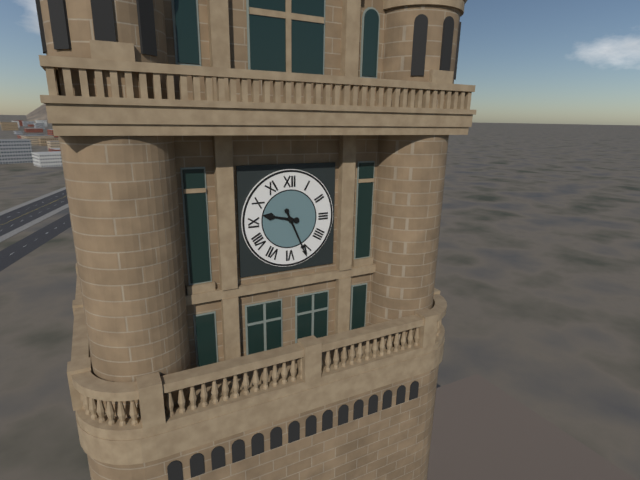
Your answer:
h=9 m=26
